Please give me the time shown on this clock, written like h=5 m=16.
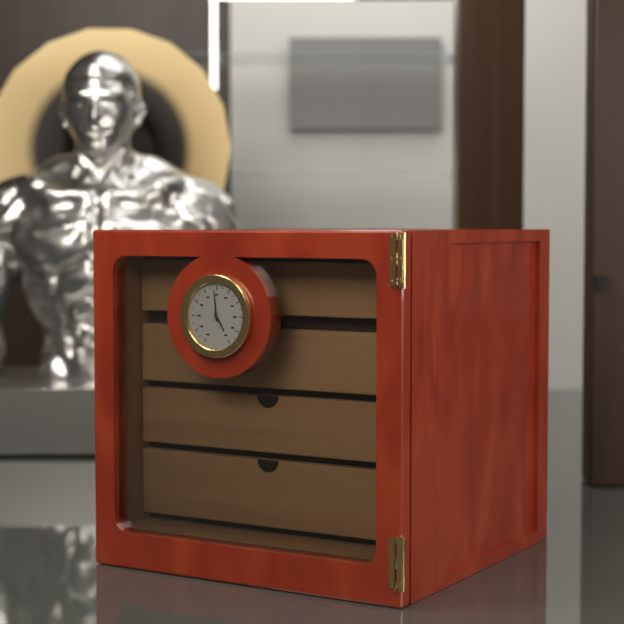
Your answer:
h=4 m=59
